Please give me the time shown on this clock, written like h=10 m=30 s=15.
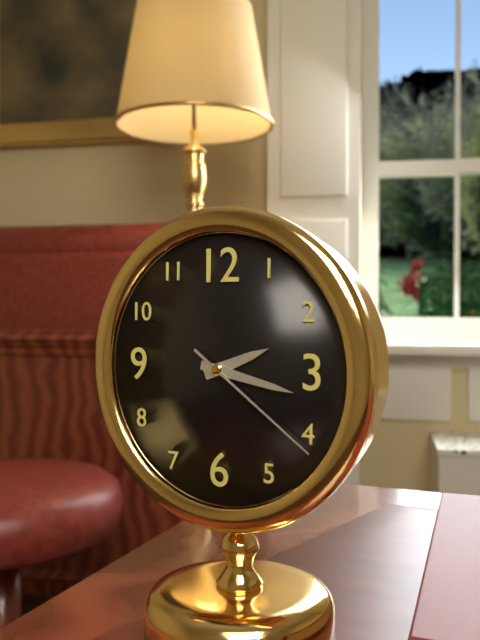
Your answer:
h=2 m=17 s=21
